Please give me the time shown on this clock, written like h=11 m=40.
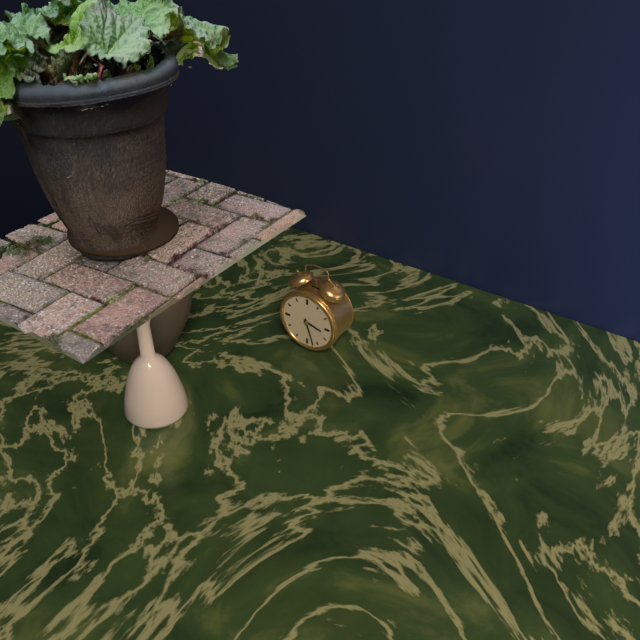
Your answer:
h=3 m=27
